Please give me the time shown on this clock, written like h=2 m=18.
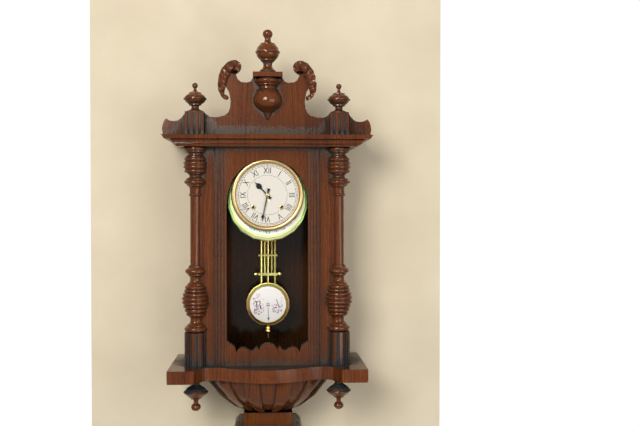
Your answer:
h=10 m=32
